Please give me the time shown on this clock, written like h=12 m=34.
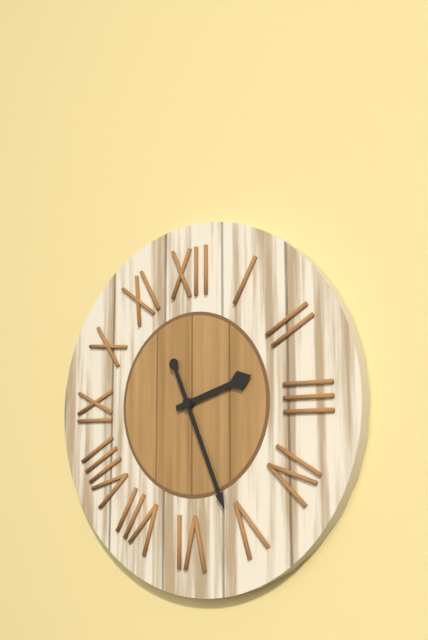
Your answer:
h=2 m=26
